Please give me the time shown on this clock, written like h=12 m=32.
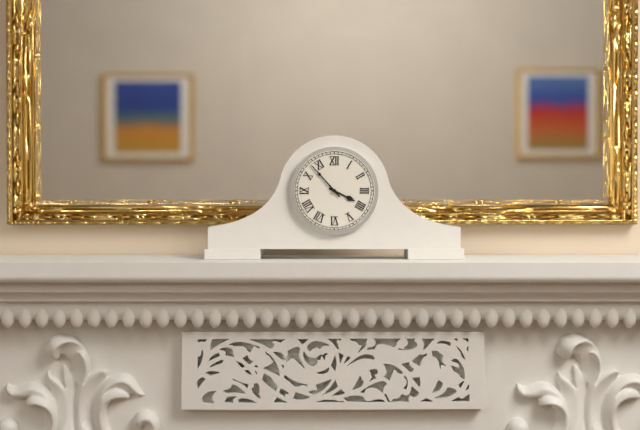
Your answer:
h=3 m=53
